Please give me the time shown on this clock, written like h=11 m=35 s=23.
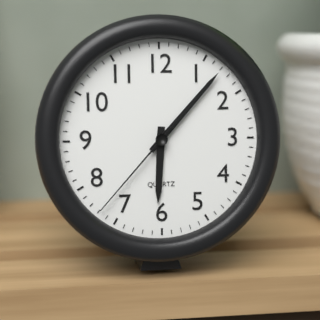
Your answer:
h=6 m=7 s=37
